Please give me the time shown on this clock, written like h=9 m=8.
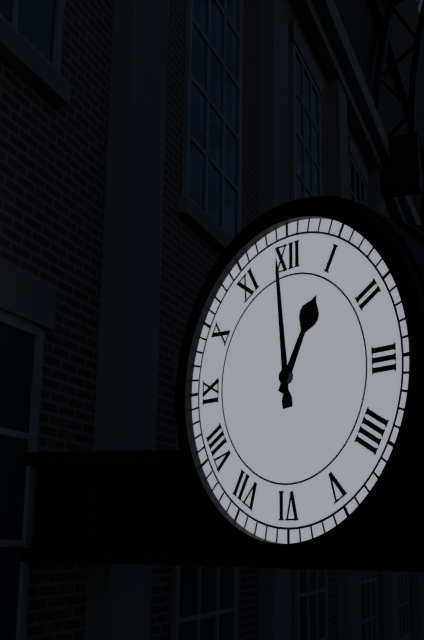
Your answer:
h=12 m=59
